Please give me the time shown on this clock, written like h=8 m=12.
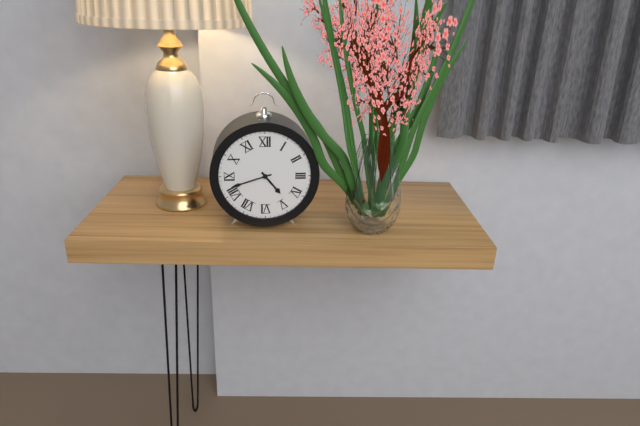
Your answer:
h=4 m=42
